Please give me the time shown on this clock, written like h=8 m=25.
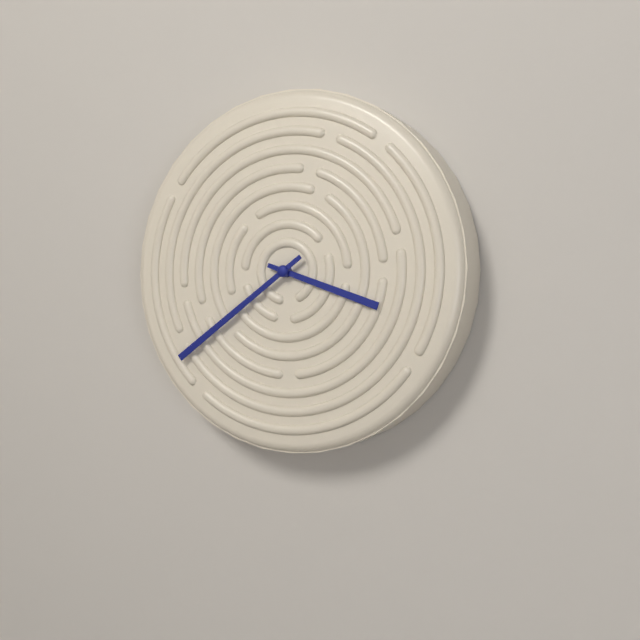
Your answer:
h=3 m=39
